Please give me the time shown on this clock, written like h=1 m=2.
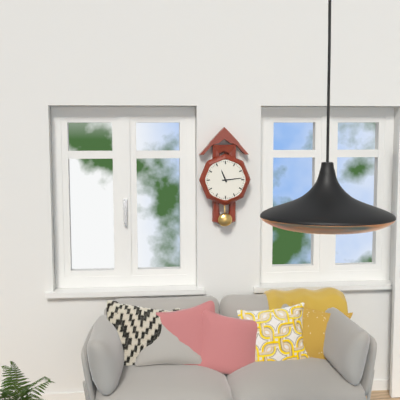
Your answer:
h=11 m=14
